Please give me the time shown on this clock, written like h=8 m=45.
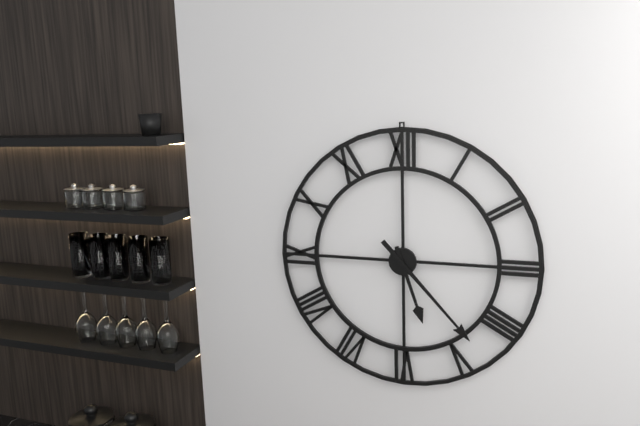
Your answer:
h=5 m=23
